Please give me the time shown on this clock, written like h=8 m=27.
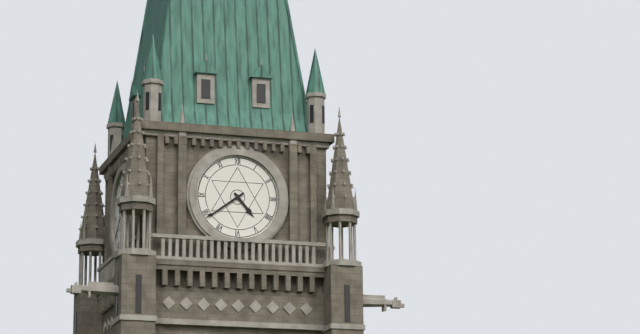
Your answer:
h=4 m=39
